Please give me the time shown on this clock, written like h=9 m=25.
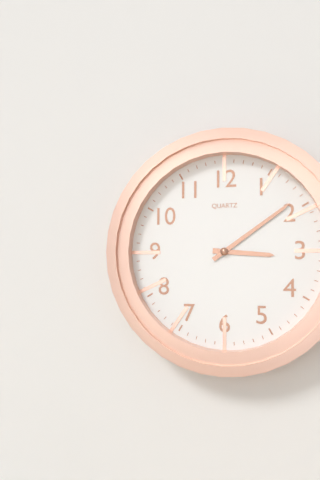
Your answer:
h=3 m=9
